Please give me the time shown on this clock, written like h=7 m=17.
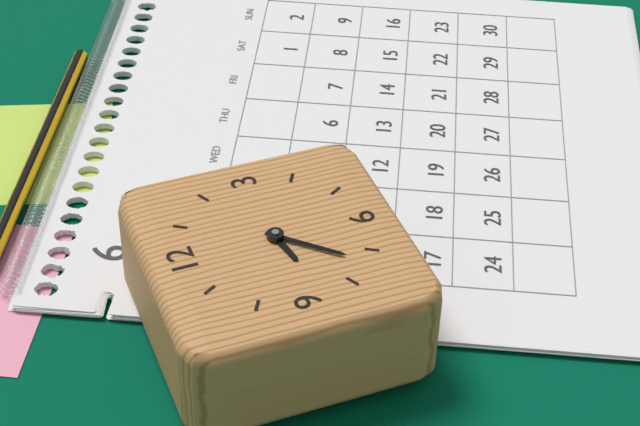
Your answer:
h=8 m=37
